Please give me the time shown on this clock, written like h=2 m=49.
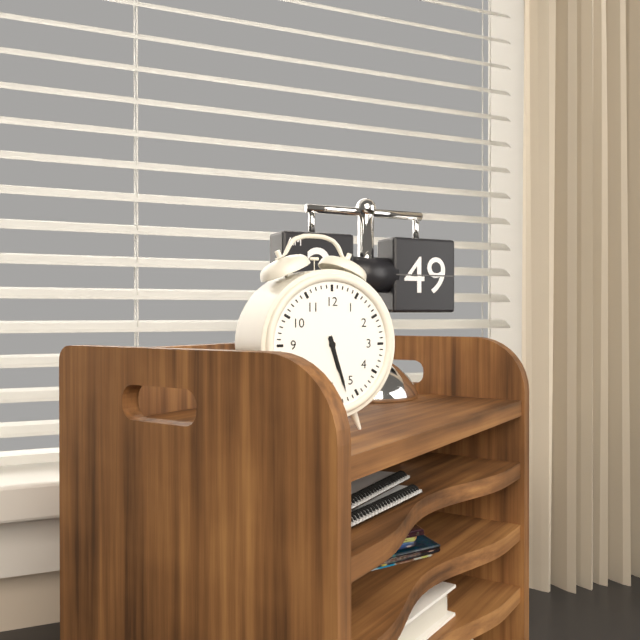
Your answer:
h=5 m=27
